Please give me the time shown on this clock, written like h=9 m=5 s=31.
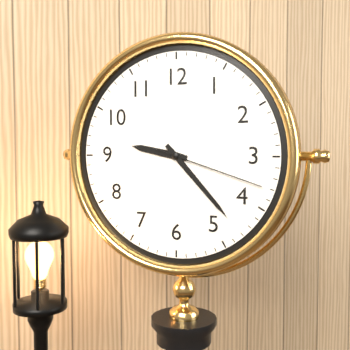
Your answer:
h=9 m=23 s=18
